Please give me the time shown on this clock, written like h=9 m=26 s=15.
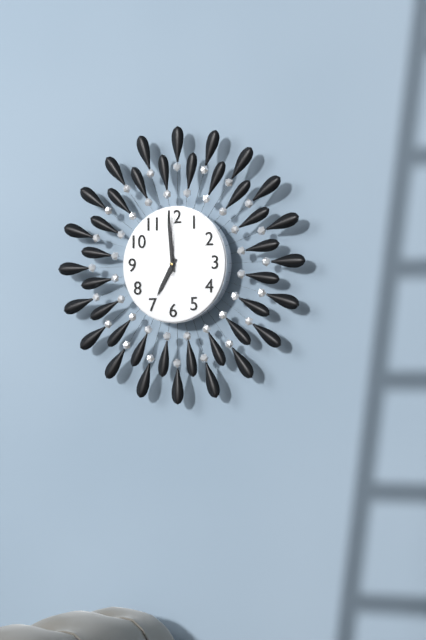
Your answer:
h=6 m=59 s=0
